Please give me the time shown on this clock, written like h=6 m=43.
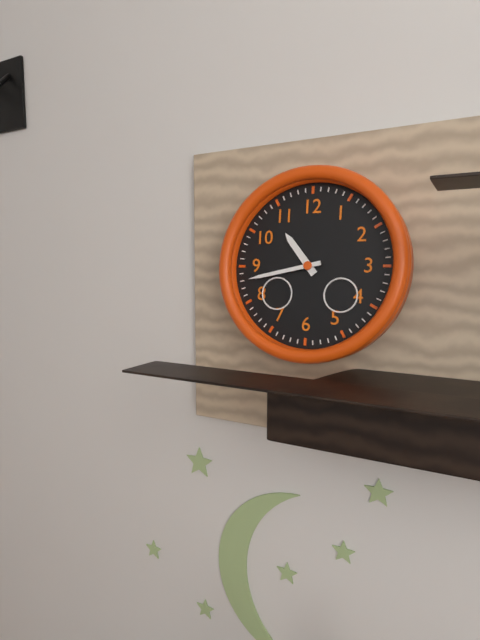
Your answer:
h=10 m=43
